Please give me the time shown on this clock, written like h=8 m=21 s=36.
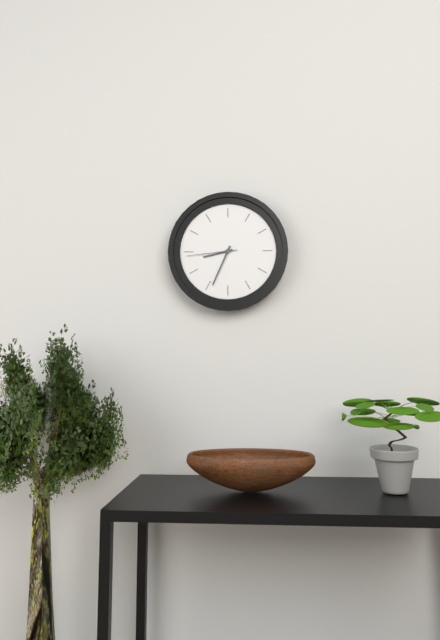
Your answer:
h=8 m=34 s=44
